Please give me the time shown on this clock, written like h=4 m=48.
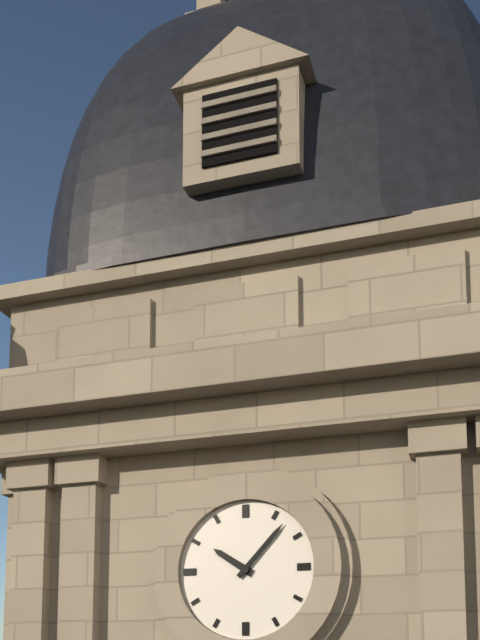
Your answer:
h=10 m=7
